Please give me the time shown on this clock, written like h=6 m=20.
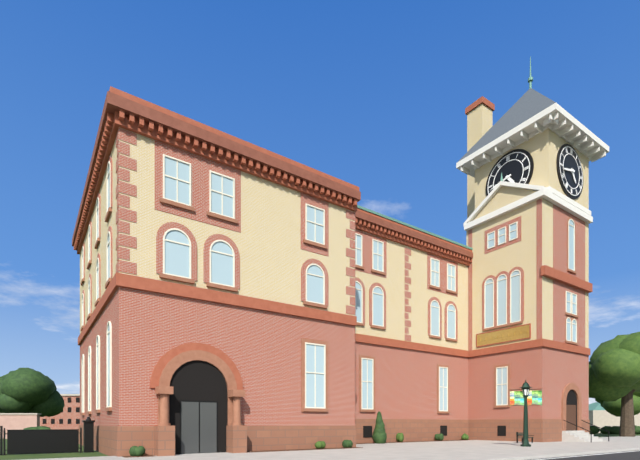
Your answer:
h=4 m=43
